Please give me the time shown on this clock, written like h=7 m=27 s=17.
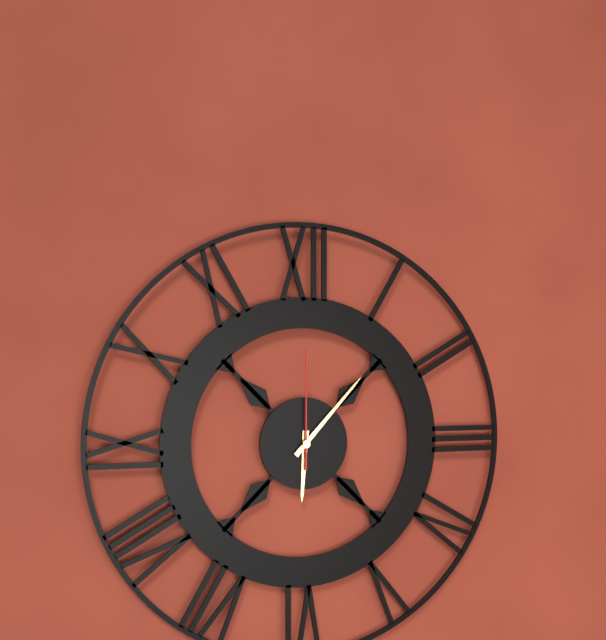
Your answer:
h=6 m=7 s=0
